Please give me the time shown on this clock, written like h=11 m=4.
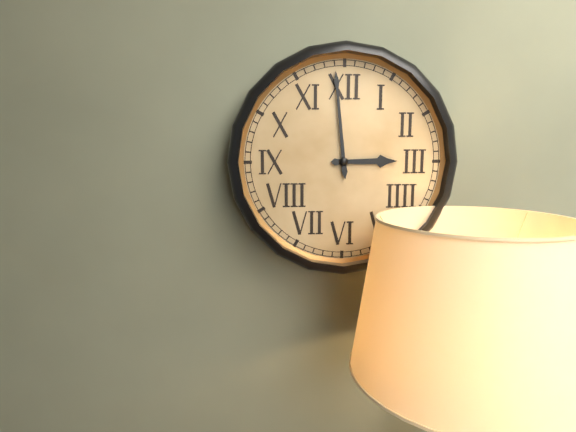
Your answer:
h=2 m=59
